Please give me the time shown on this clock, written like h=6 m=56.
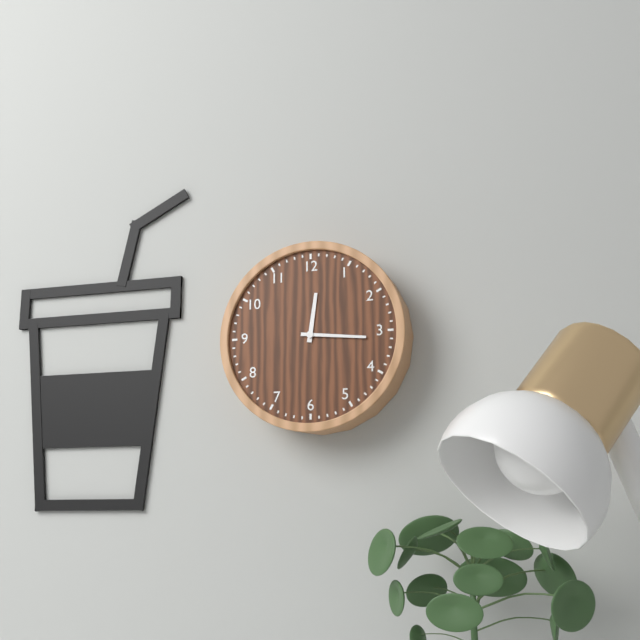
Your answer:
h=12 m=16
